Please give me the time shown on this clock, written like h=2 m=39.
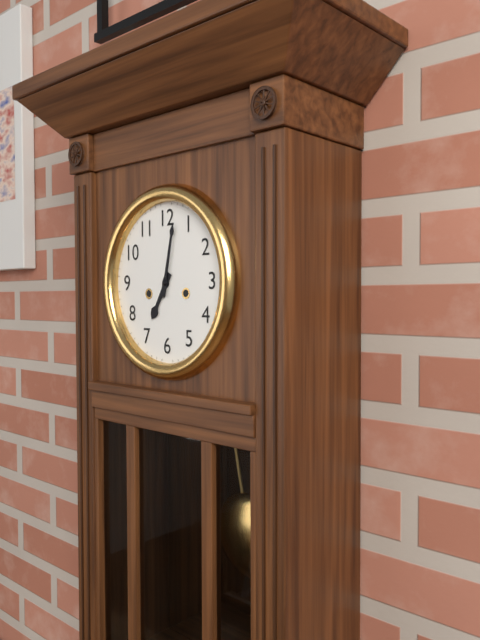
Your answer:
h=7 m=2
